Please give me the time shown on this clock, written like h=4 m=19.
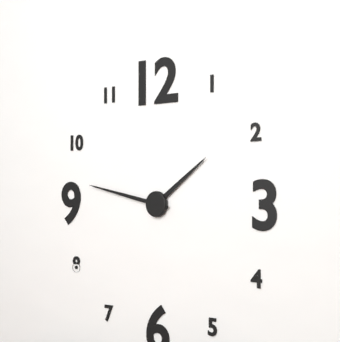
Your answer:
h=1 m=47
